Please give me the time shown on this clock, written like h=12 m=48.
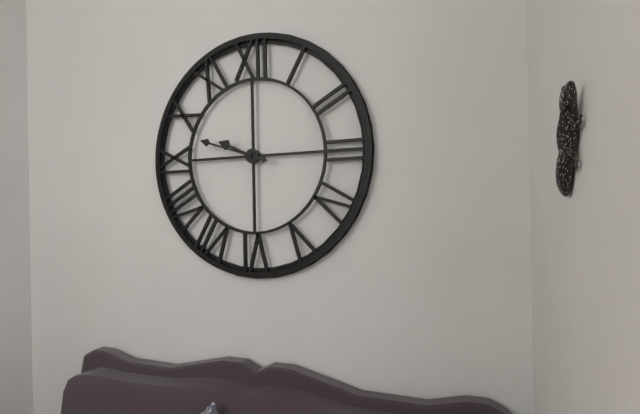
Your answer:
h=9 m=48
